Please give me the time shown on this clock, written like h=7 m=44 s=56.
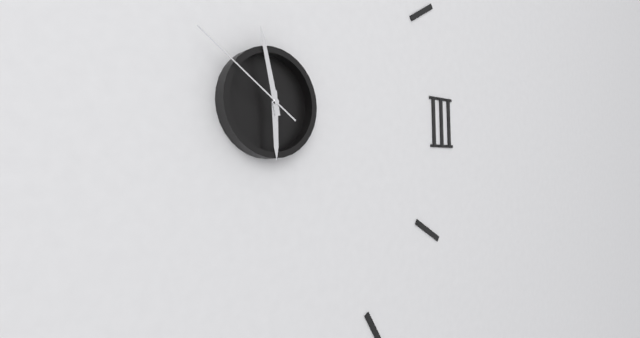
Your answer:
h=5 m=58 s=51
